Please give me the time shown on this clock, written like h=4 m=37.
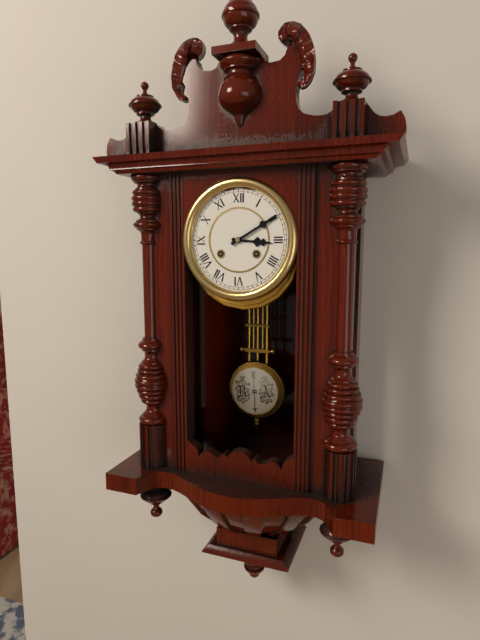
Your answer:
h=3 m=10
